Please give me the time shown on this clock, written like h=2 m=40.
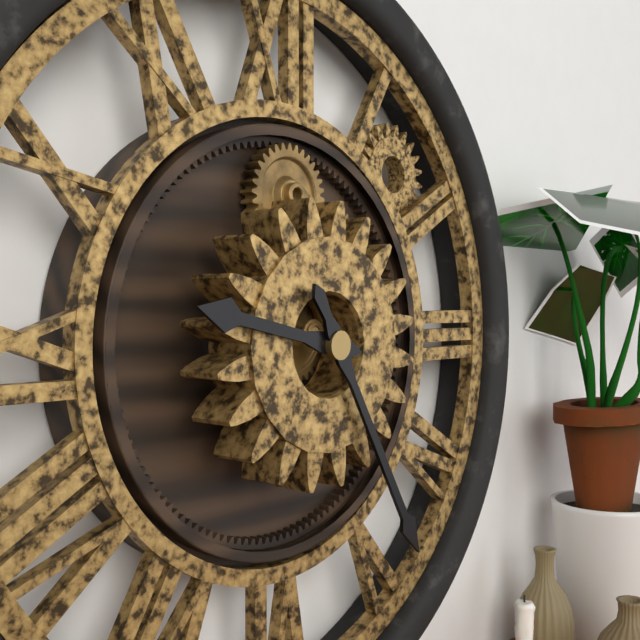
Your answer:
h=9 m=25
